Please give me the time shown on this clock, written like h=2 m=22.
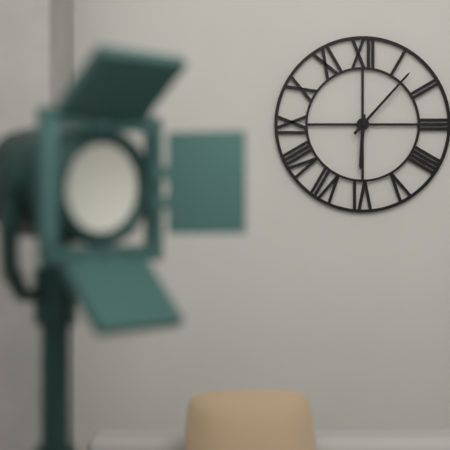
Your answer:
h=6 m=7
